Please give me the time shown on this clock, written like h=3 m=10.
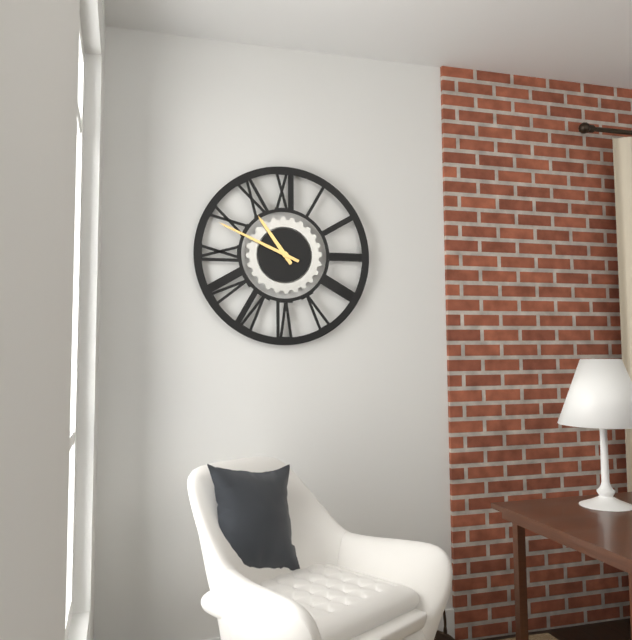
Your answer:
h=10 m=49
